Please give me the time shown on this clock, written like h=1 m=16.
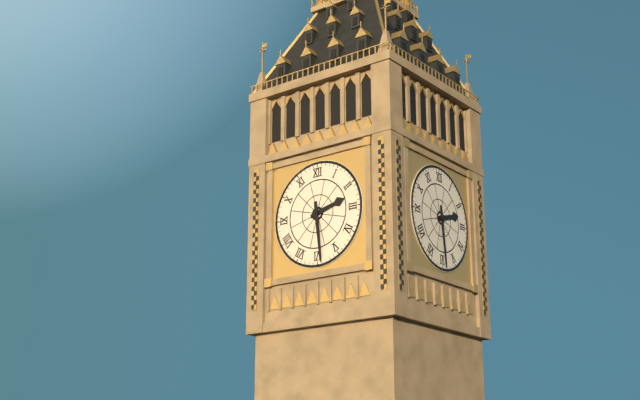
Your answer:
h=2 m=29
